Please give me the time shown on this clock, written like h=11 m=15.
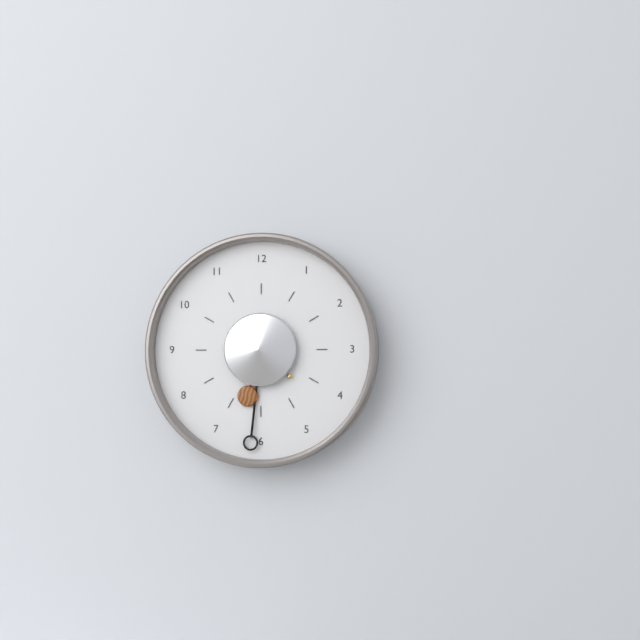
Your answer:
h=6 m=31
